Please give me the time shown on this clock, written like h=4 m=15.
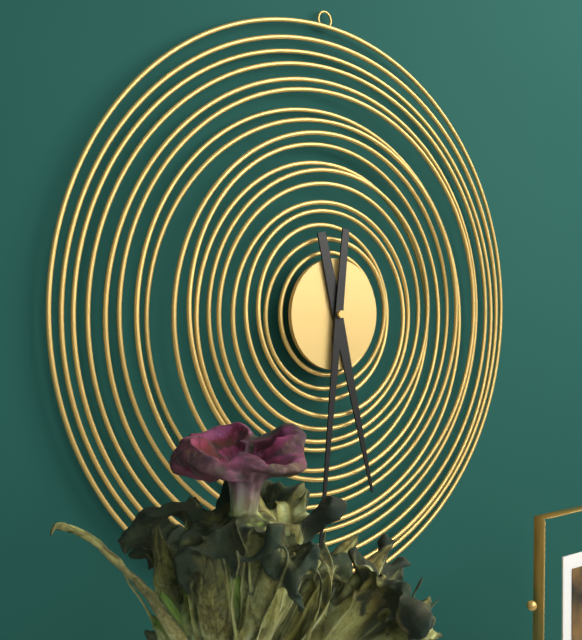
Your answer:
h=5 m=31
